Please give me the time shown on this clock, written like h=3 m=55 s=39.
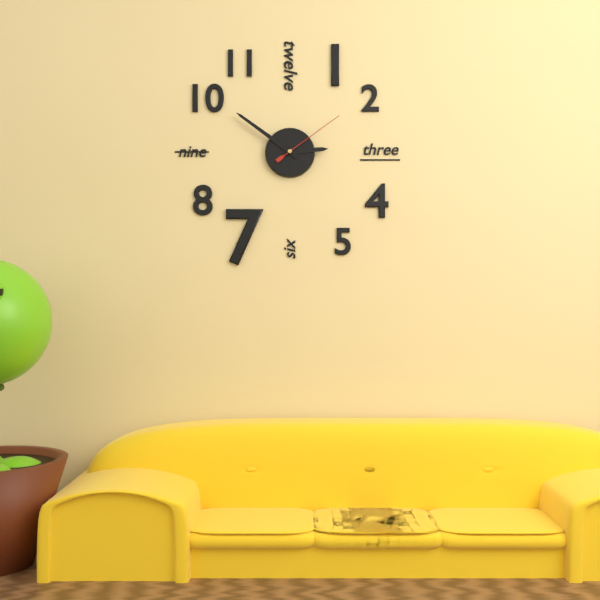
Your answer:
h=2 m=51 s=9
